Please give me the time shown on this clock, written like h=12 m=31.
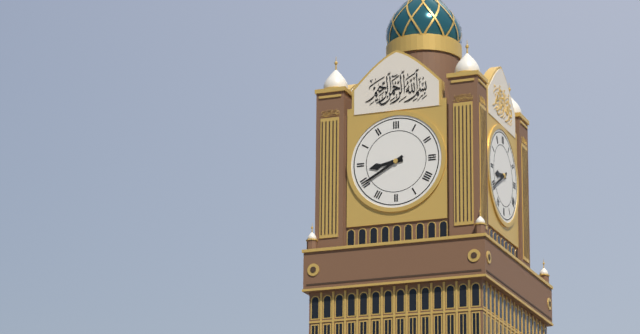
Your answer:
h=8 m=40
